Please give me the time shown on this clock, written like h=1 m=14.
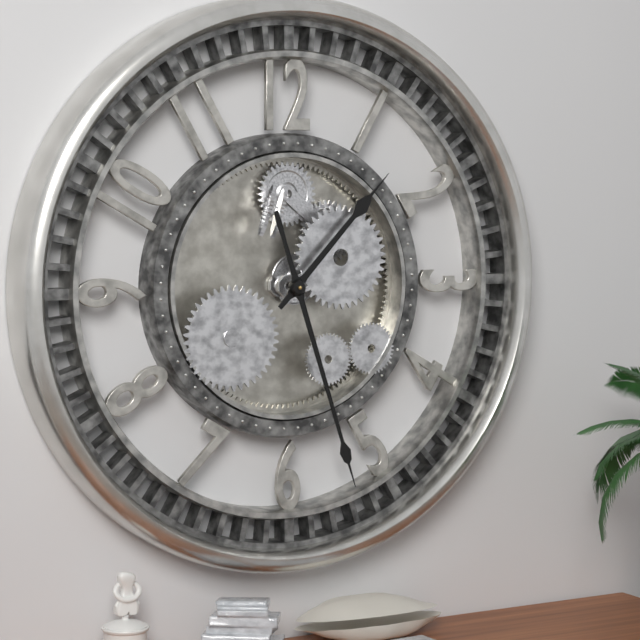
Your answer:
h=1 m=27
